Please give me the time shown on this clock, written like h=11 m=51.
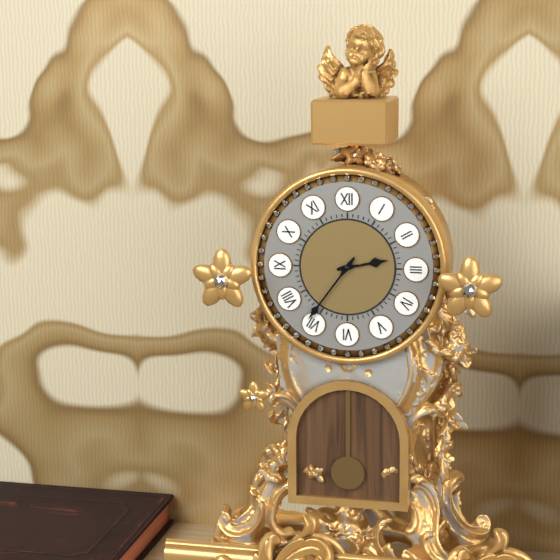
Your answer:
h=2 m=36
